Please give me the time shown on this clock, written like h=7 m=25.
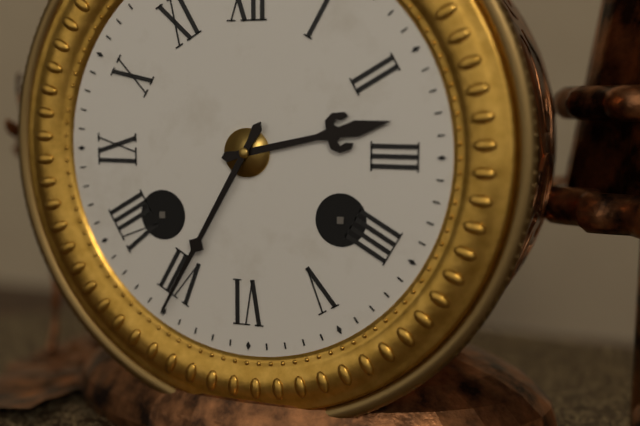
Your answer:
h=2 m=35
